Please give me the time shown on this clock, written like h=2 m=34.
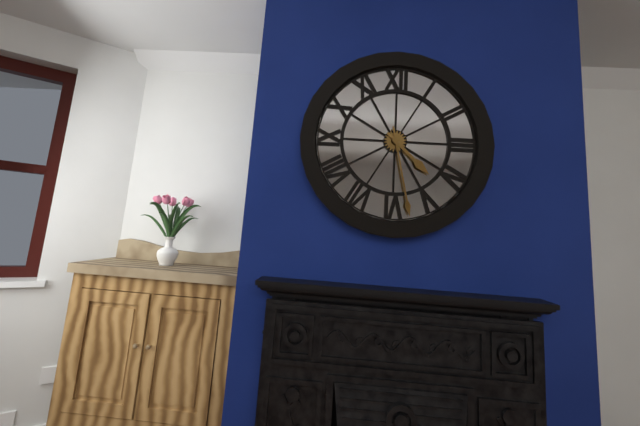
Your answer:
h=4 m=28
